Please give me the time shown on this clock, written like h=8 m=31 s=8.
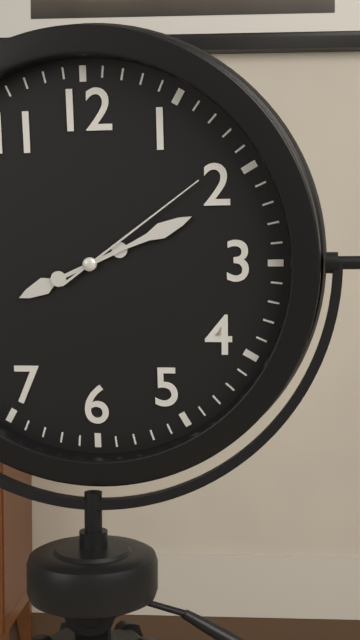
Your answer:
h=8 m=11 s=9
